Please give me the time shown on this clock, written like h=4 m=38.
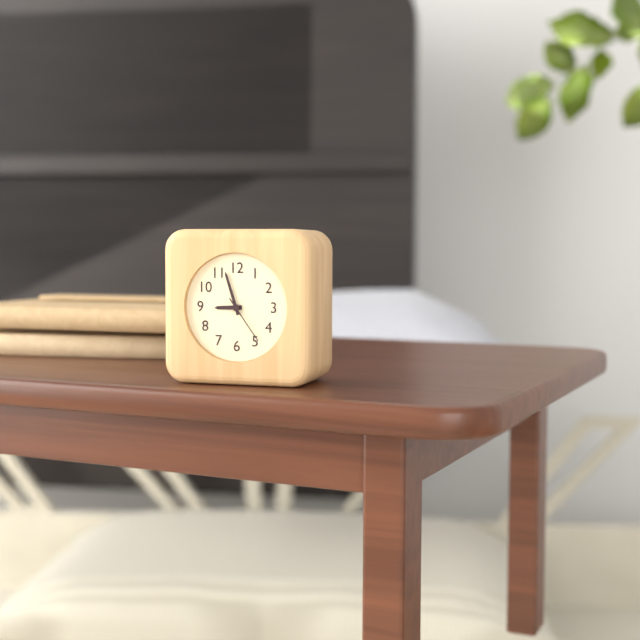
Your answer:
h=8 m=57
